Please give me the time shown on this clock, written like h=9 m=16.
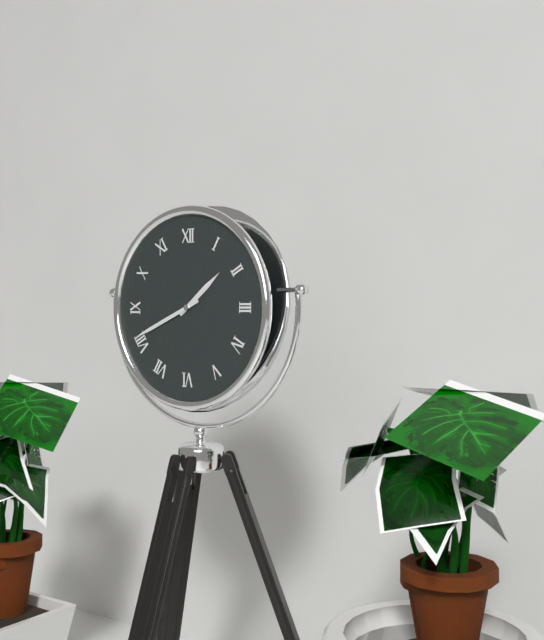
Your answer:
h=1 m=41
